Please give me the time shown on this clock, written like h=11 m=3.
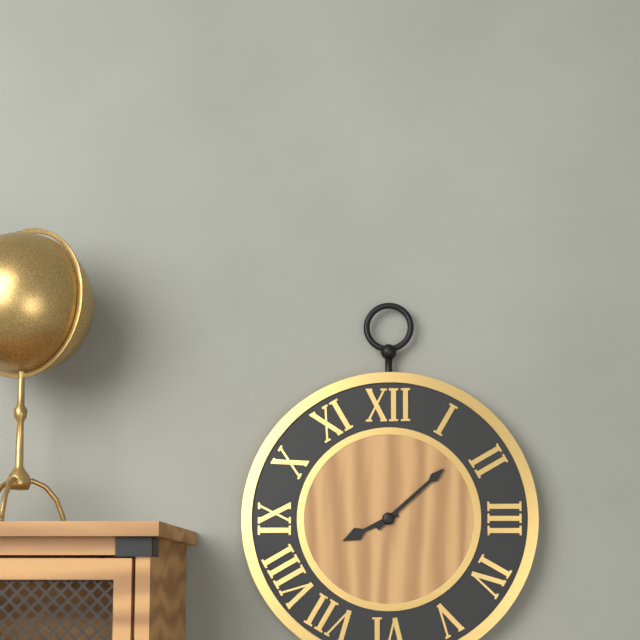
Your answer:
h=8 m=8
